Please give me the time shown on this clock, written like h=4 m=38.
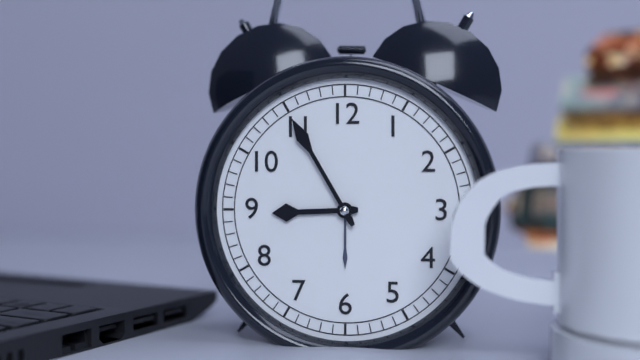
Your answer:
h=8 m=55
